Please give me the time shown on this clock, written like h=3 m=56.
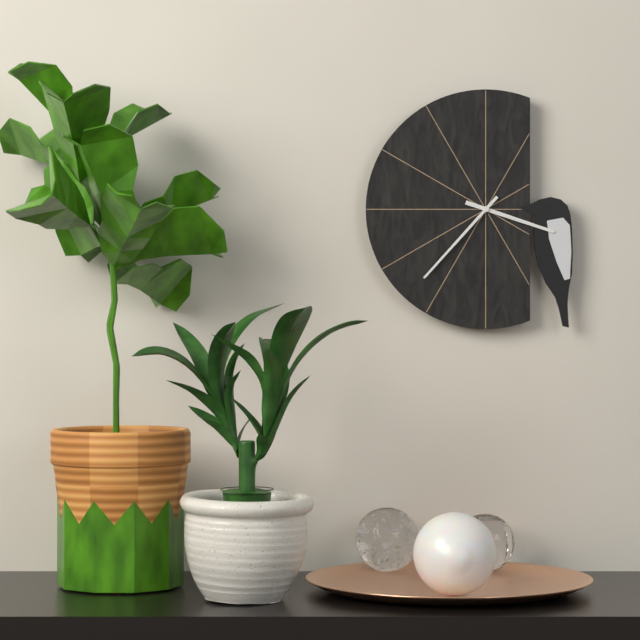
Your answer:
h=3 m=37
